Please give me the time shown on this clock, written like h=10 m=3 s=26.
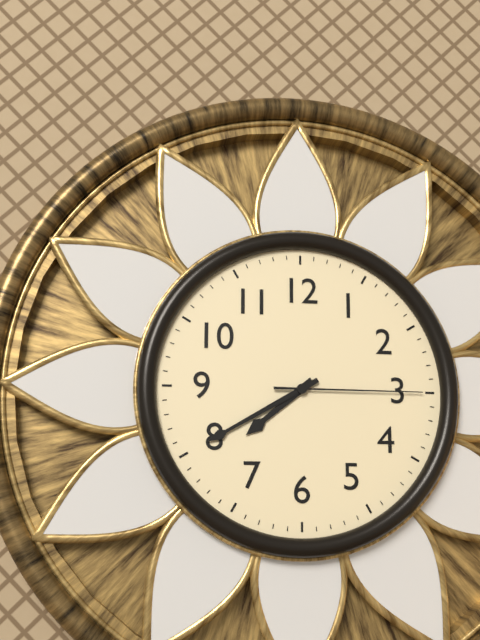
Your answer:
h=7 m=40 s=15
